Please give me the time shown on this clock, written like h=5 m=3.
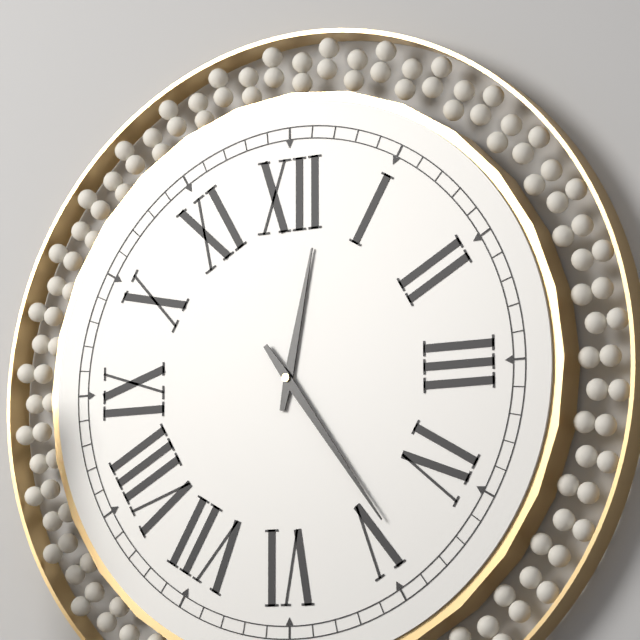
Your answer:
h=12 m=24
